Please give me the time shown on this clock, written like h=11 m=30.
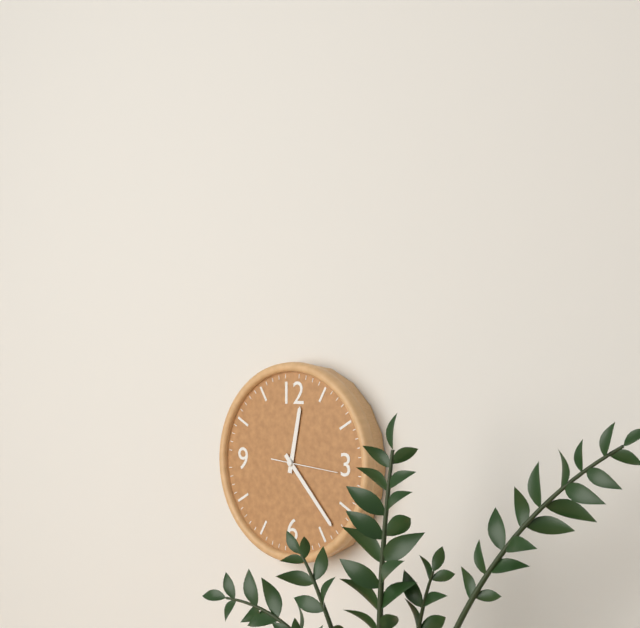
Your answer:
h=12 m=23
